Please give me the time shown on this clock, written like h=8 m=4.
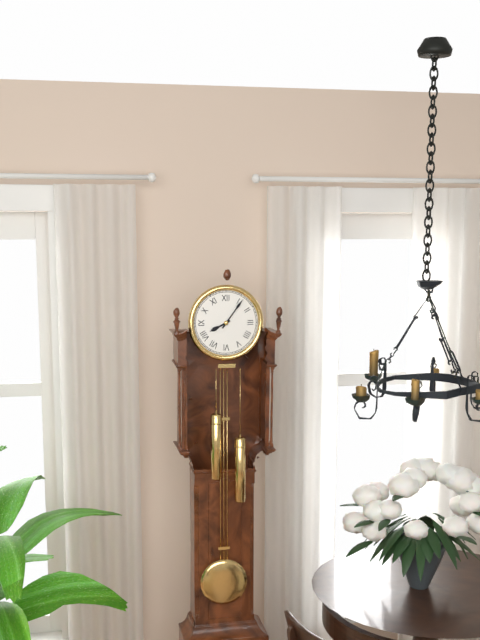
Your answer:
h=8 m=6
